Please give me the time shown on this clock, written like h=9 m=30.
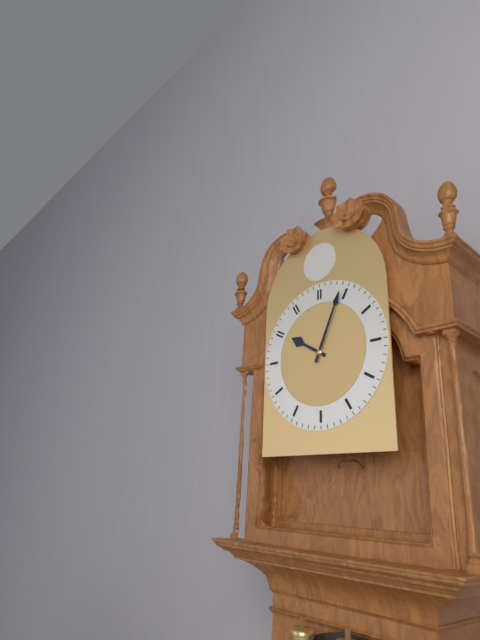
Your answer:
h=10 m=4
